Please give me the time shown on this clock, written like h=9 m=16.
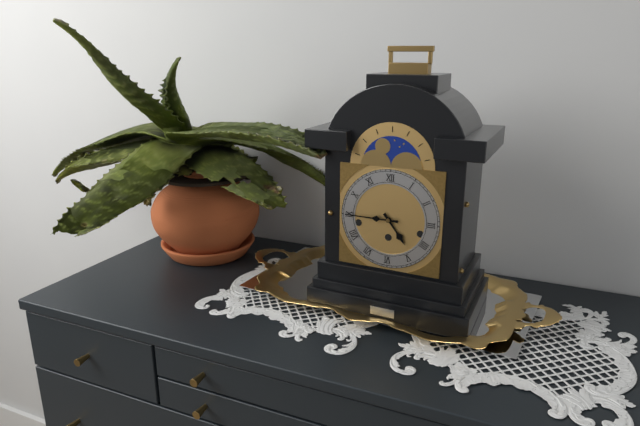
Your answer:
h=4 m=45
